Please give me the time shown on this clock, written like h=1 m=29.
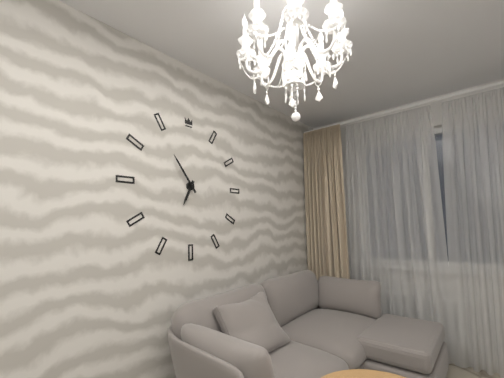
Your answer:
h=6 m=54
